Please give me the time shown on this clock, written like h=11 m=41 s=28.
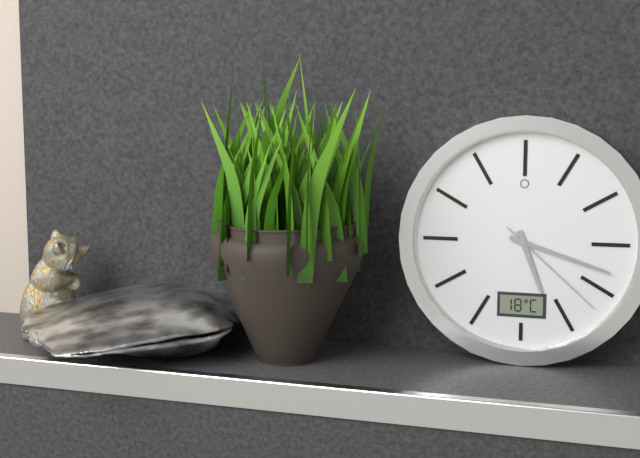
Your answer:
h=5 m=18 s=22
